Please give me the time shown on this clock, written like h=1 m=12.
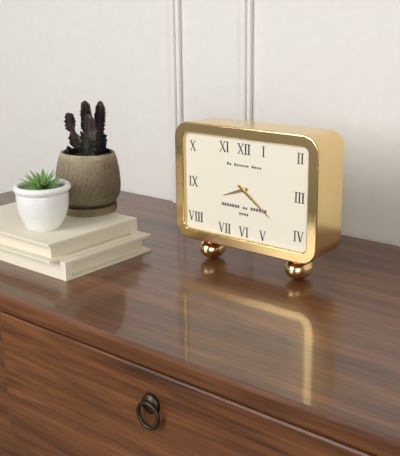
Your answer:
h=8 m=21
